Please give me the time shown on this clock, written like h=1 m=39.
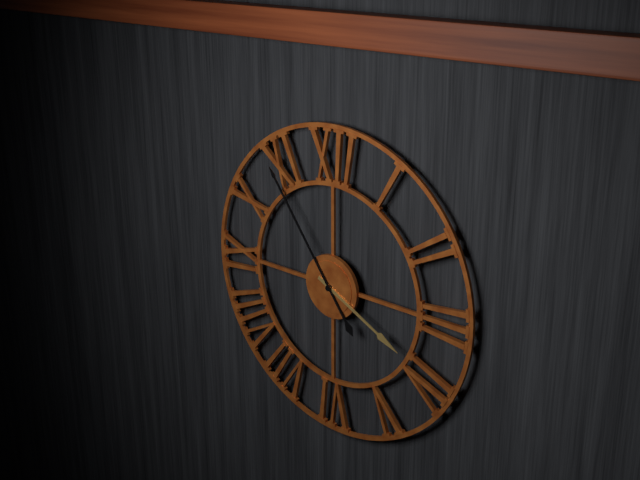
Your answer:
h=3 m=54
